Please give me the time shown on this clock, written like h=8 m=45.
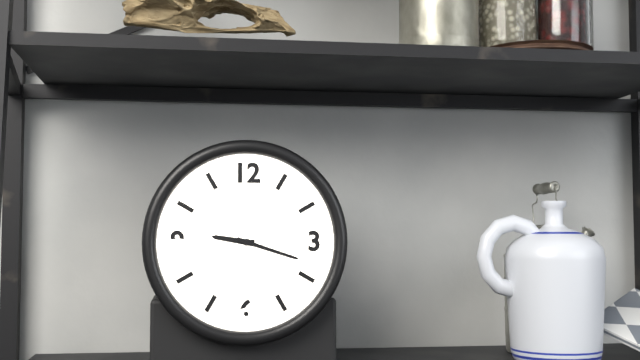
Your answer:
h=9 m=18
